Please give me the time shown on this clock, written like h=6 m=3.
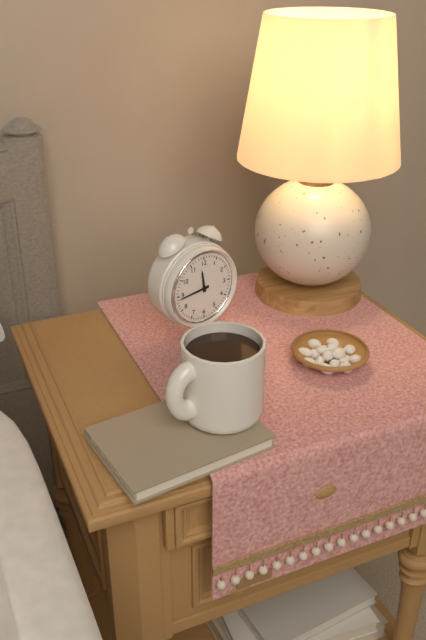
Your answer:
h=11 m=44
